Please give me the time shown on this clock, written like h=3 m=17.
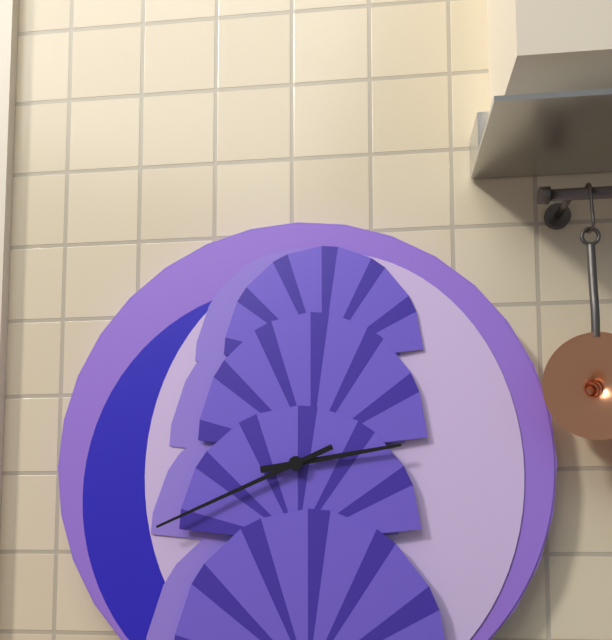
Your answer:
h=2 m=41
